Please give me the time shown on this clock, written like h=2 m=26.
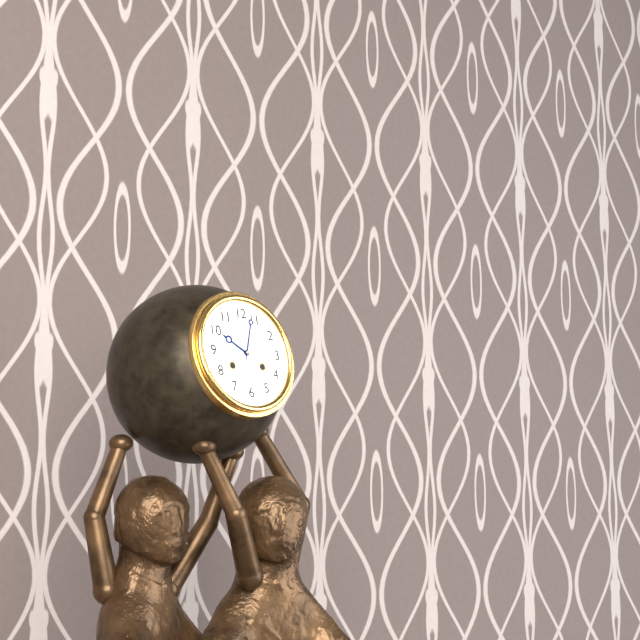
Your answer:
h=10 m=3
